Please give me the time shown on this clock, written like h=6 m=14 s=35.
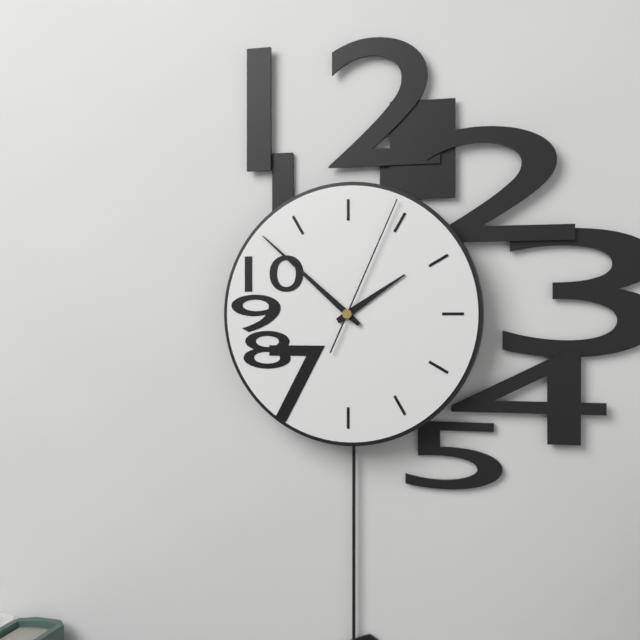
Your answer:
h=1 m=52 s=4
